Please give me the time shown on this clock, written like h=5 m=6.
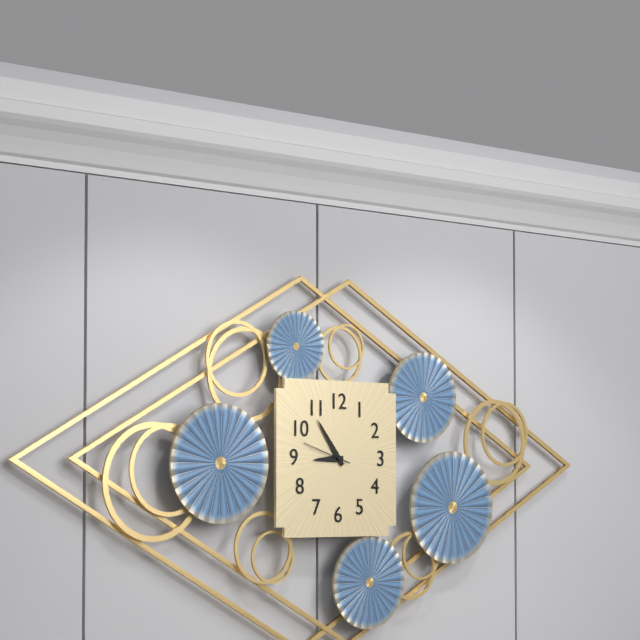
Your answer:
h=8 m=54
